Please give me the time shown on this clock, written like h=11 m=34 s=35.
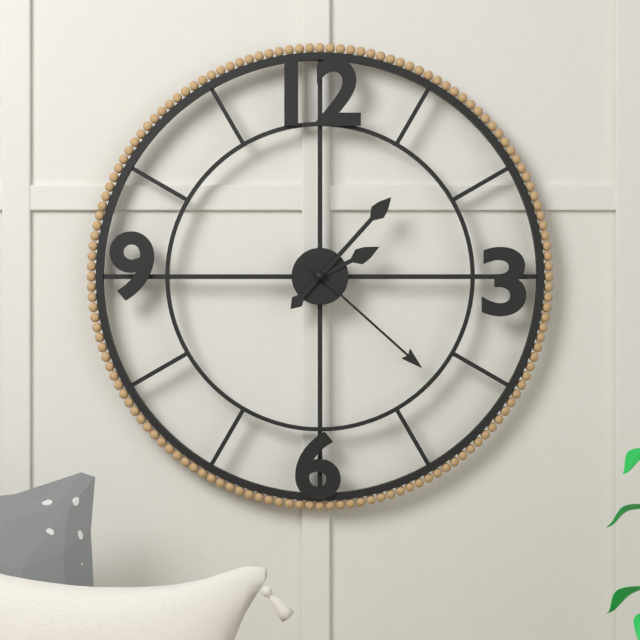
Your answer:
h=2 m=7 s=22
